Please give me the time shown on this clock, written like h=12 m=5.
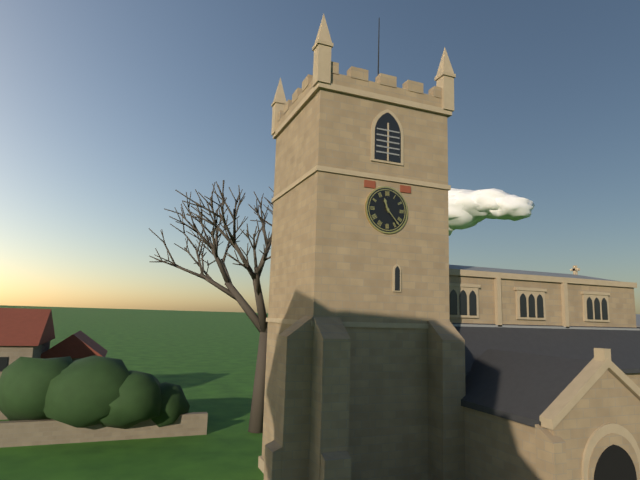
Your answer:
h=11 m=23
